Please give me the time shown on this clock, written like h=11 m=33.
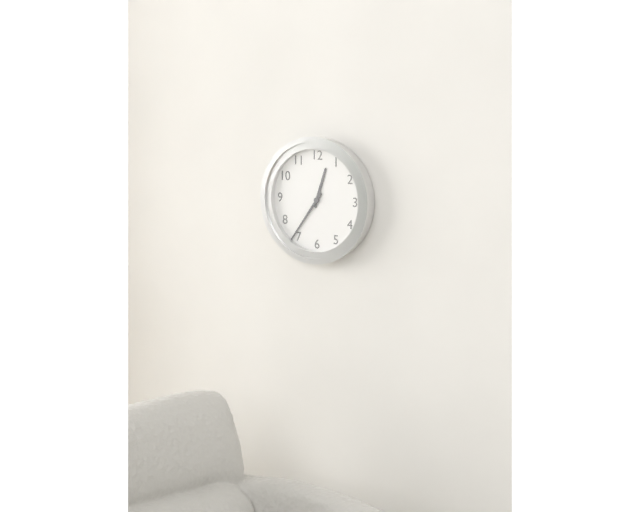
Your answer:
h=12 m=36
